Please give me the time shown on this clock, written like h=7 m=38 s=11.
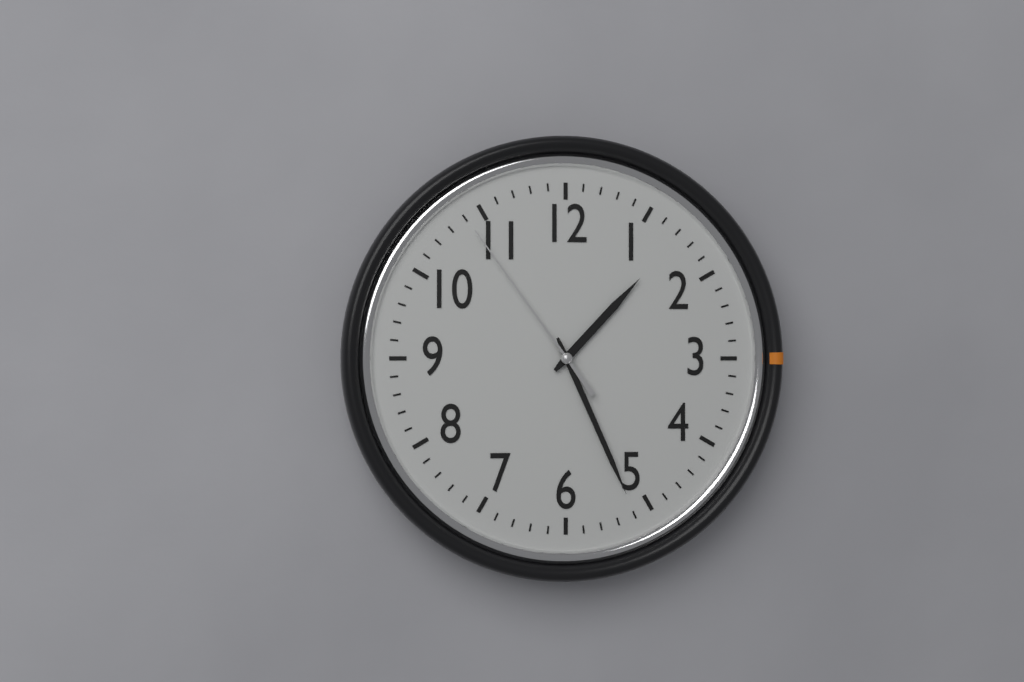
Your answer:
h=1 m=26 s=54
